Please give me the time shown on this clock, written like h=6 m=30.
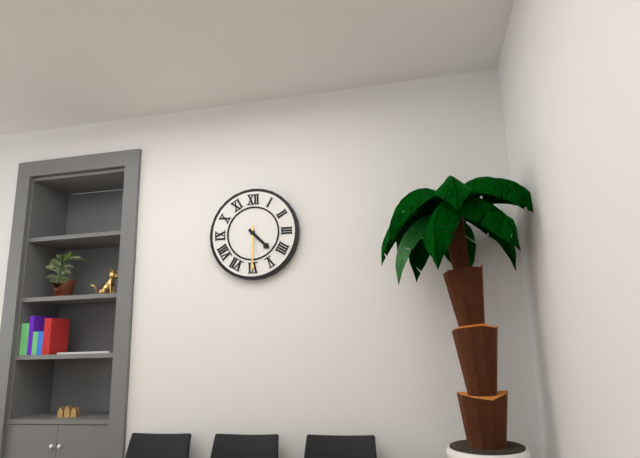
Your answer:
h=4 m=30
